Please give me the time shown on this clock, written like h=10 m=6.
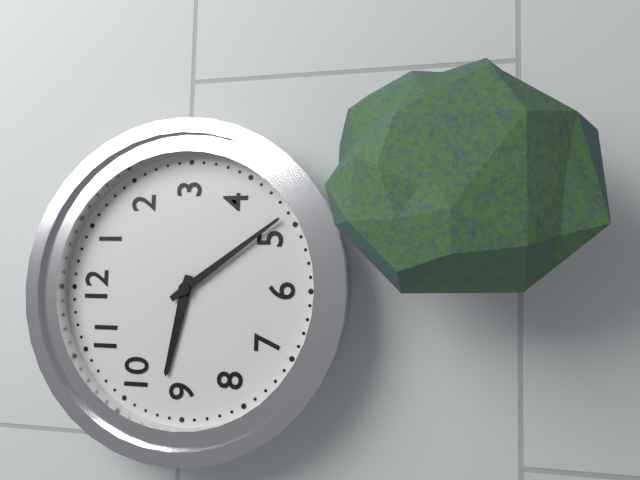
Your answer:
h=9 m=24
